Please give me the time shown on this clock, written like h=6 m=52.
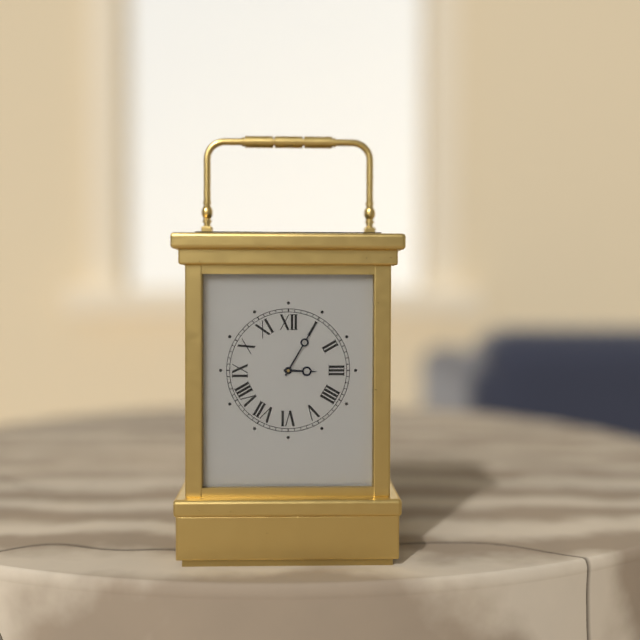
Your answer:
h=3 m=5
